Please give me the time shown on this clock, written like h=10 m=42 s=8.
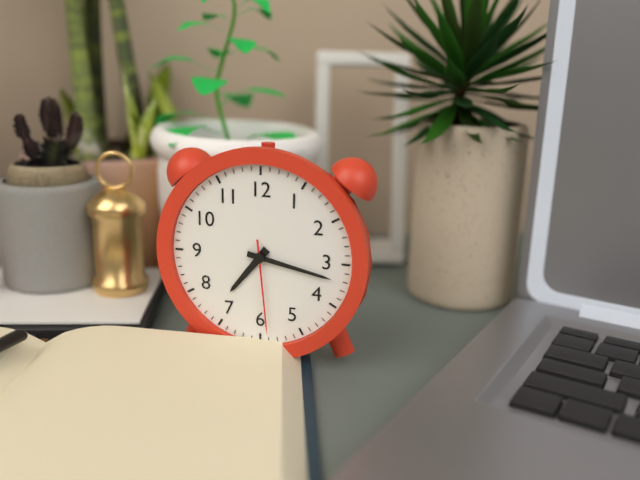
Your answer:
h=7 m=17 s=29
